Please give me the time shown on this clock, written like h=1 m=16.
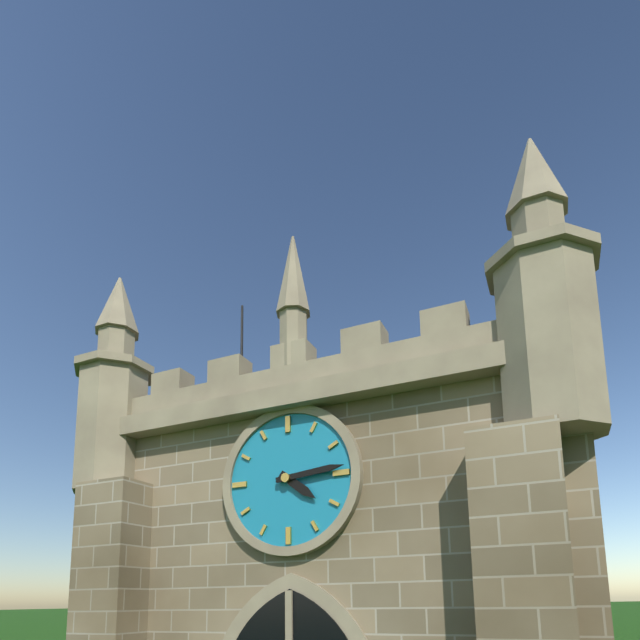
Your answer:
h=4 m=14
